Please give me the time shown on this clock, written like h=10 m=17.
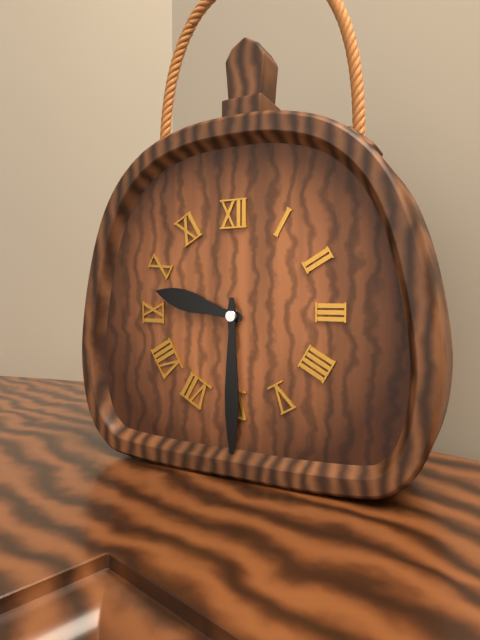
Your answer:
h=9 m=30
